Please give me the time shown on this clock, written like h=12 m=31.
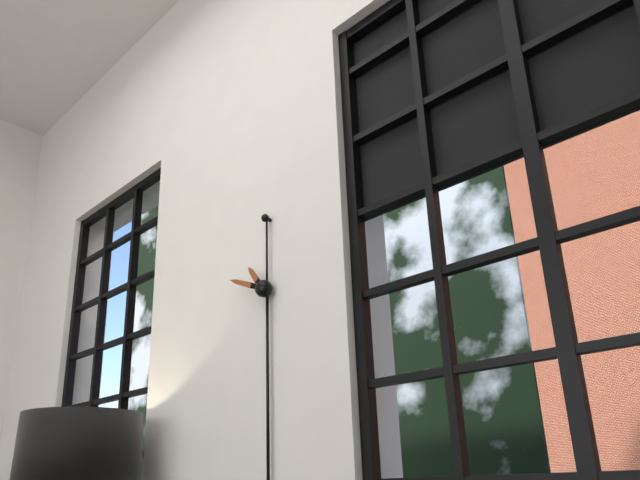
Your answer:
h=10 m=49
